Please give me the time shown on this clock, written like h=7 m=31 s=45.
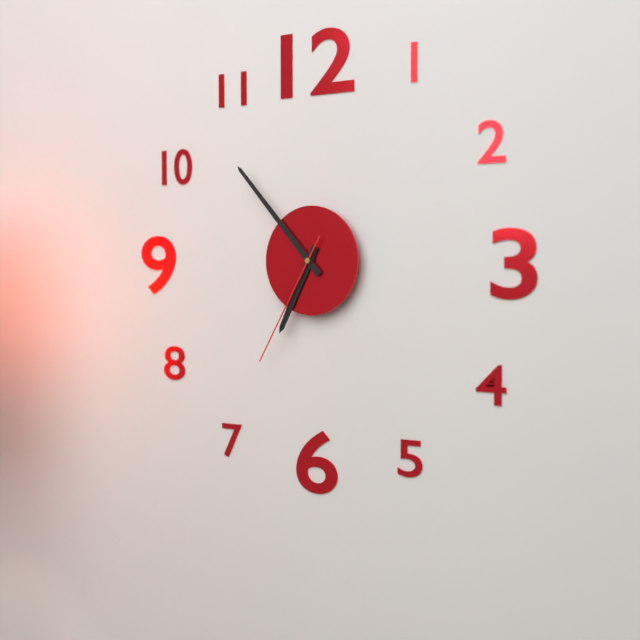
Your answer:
h=6 m=53 s=35
